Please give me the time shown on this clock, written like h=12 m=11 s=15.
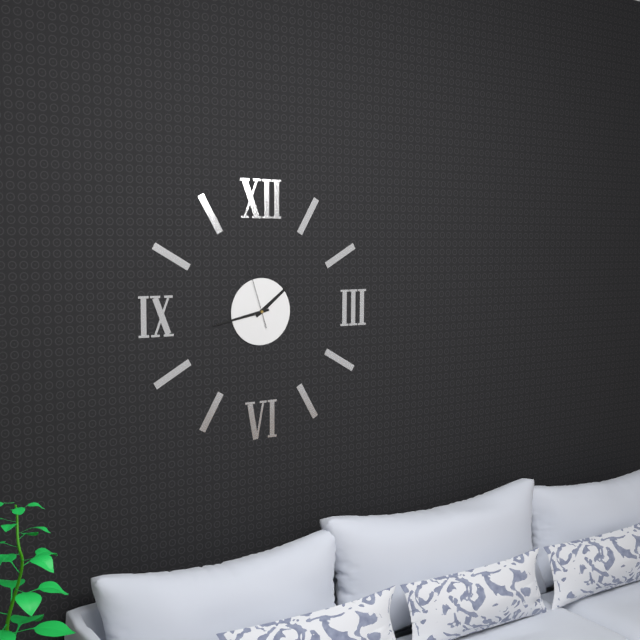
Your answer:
h=1 m=43 s=57
